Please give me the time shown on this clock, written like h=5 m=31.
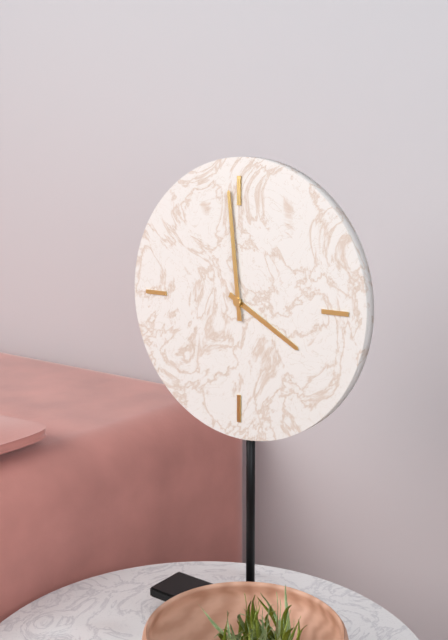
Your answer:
h=3 m=59
